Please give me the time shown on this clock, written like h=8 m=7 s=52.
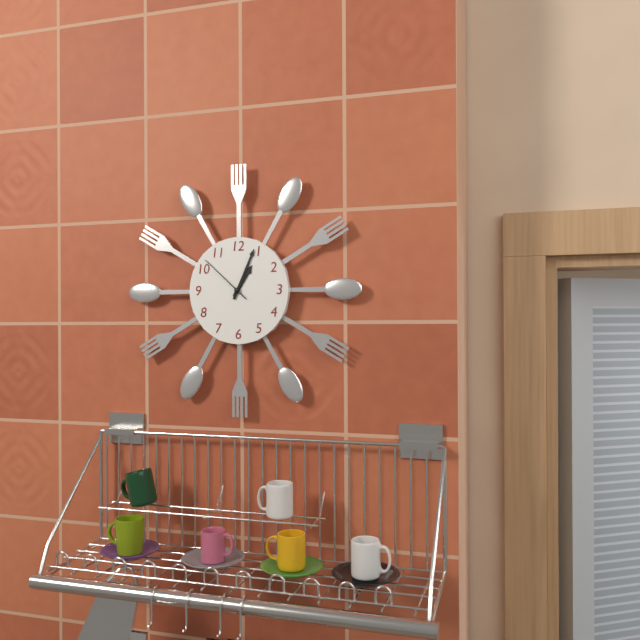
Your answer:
h=1 m=4 s=52
